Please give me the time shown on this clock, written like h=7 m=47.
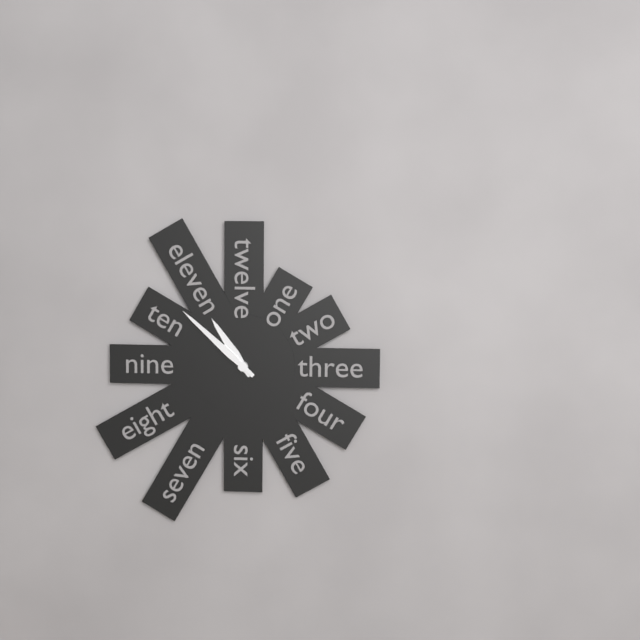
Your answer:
h=10 m=52
